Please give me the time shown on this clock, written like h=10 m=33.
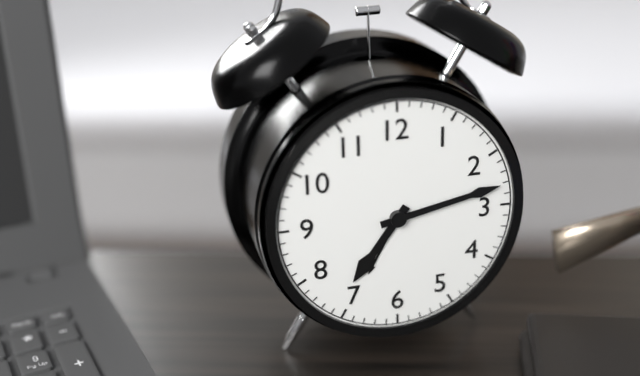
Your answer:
h=7 m=13
